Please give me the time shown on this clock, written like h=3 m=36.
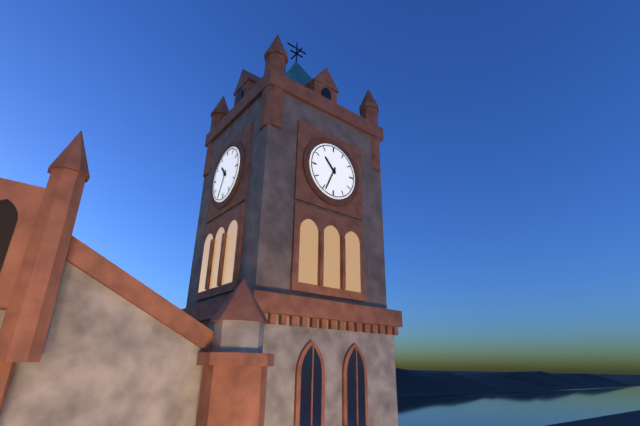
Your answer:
h=10 m=34
